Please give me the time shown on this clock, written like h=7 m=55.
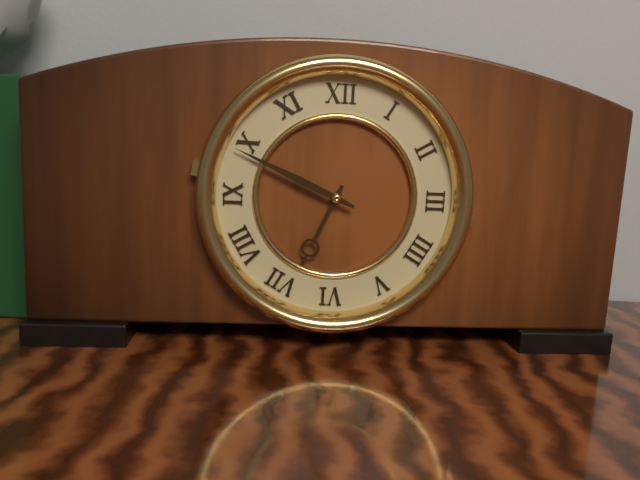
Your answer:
h=6 m=49
